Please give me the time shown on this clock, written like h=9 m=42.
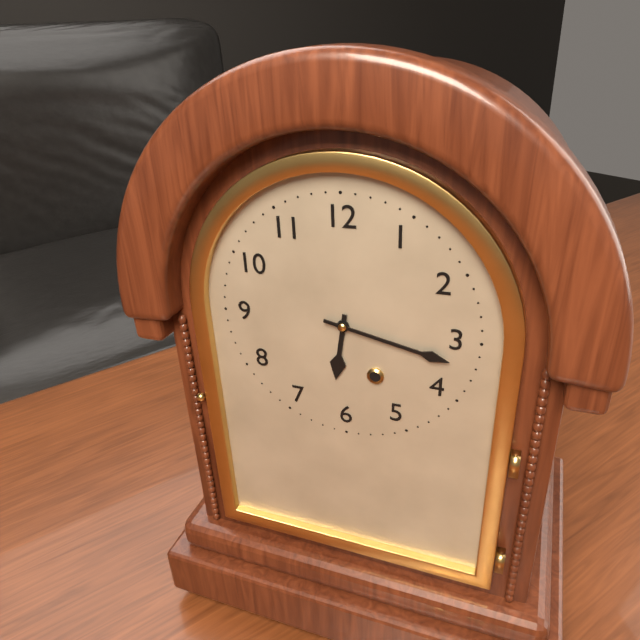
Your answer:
h=6 m=17
